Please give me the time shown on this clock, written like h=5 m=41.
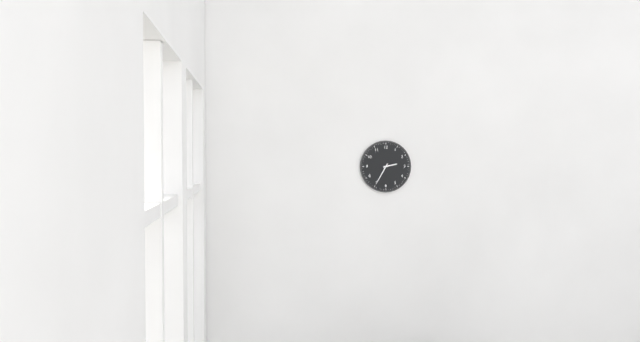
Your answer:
h=2 m=35
